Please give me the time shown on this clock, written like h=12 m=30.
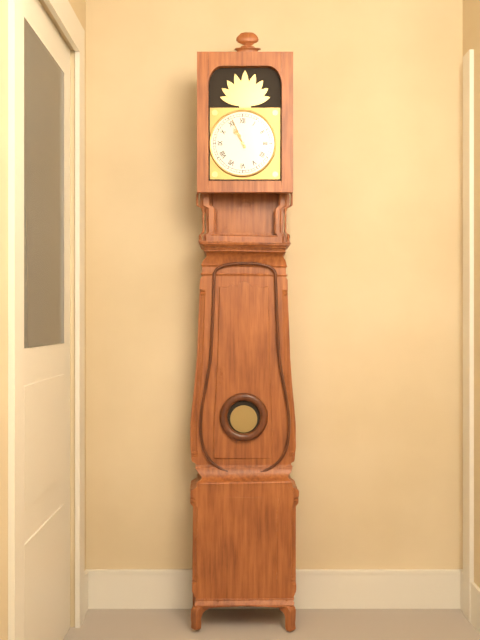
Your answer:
h=10 m=56
